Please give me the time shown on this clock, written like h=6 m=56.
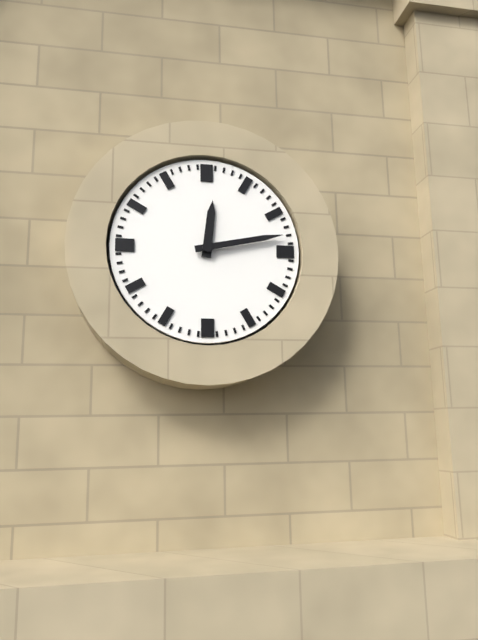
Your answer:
h=12 m=13
